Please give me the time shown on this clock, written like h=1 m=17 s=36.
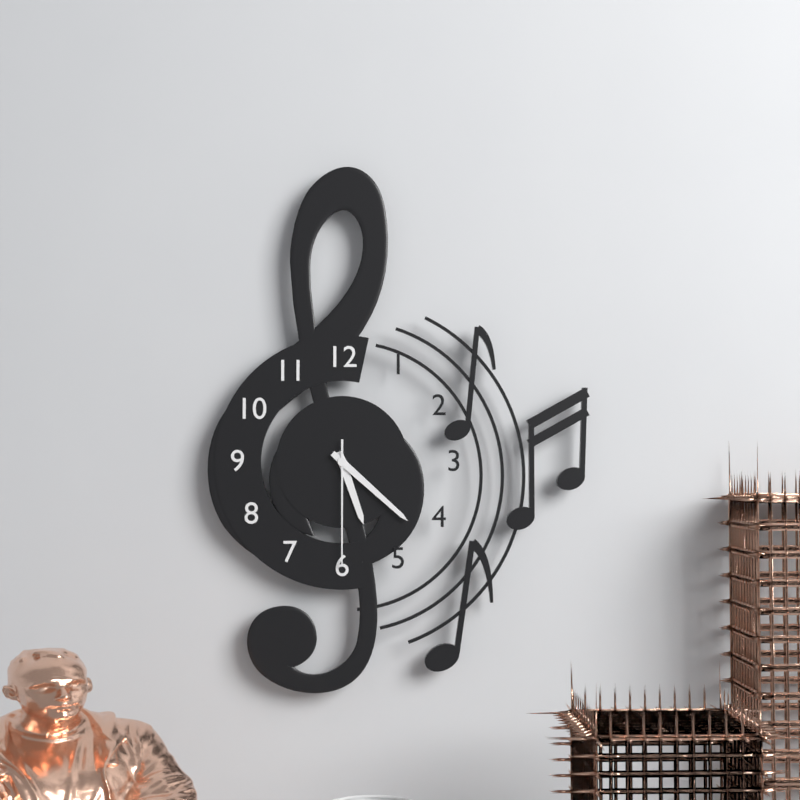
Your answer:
h=5 m=22 s=30
